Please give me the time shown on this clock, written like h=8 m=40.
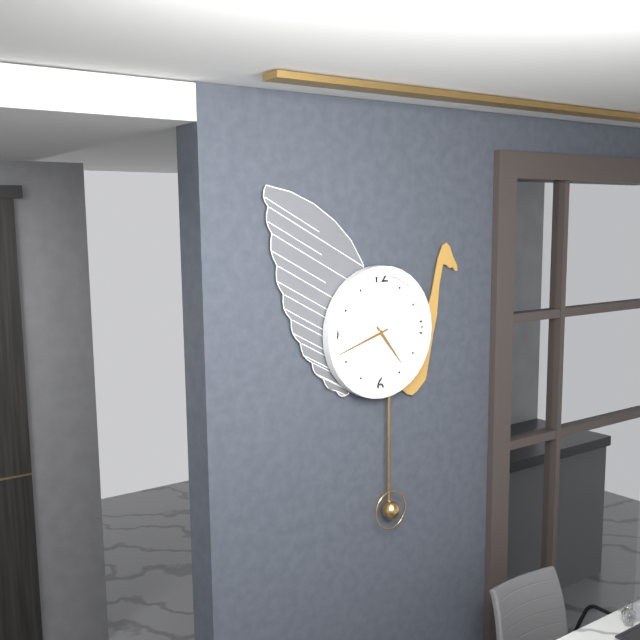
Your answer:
h=4 m=42
